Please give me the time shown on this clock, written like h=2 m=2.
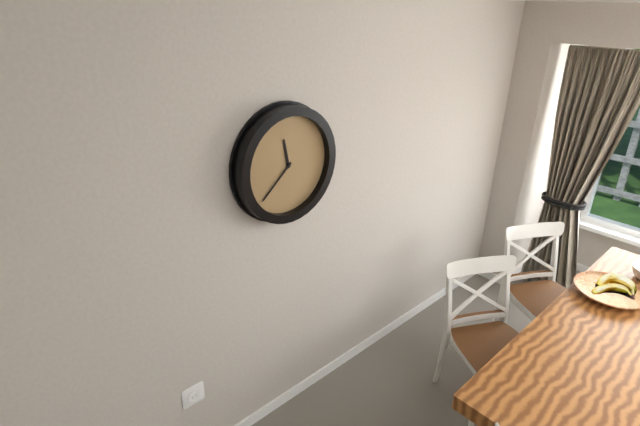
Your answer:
h=11 m=38
